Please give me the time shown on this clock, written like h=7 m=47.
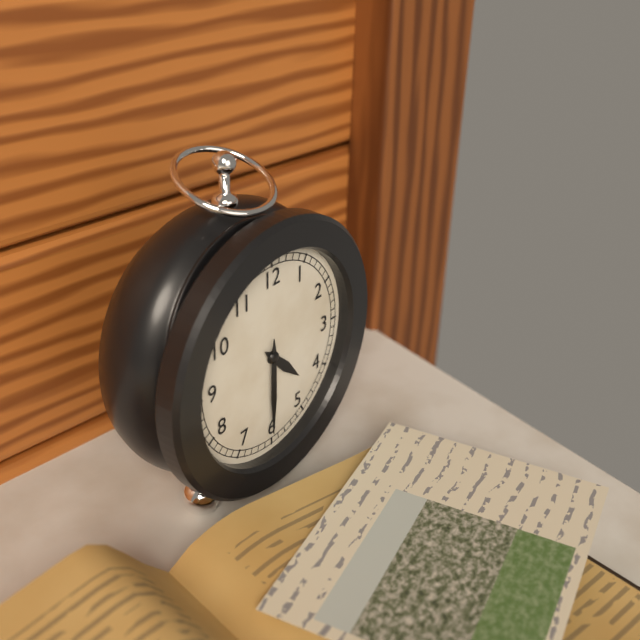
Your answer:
h=4 m=30
